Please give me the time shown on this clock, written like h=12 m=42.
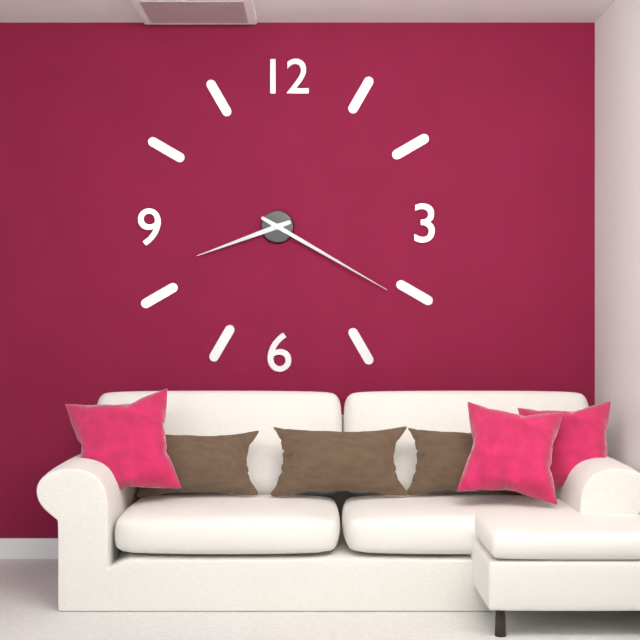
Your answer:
h=8 m=20
